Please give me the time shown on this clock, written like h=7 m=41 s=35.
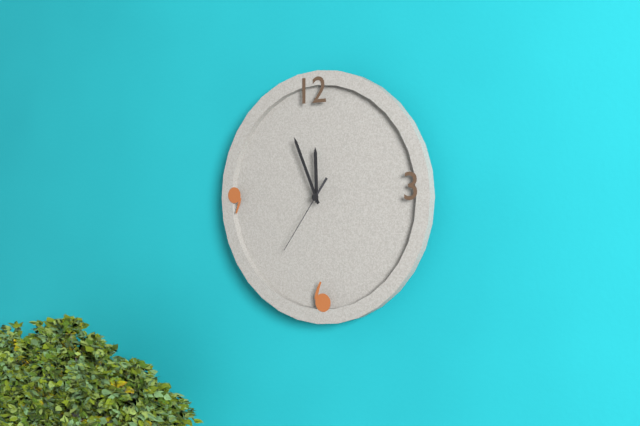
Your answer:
h=11 m=56 s=36
